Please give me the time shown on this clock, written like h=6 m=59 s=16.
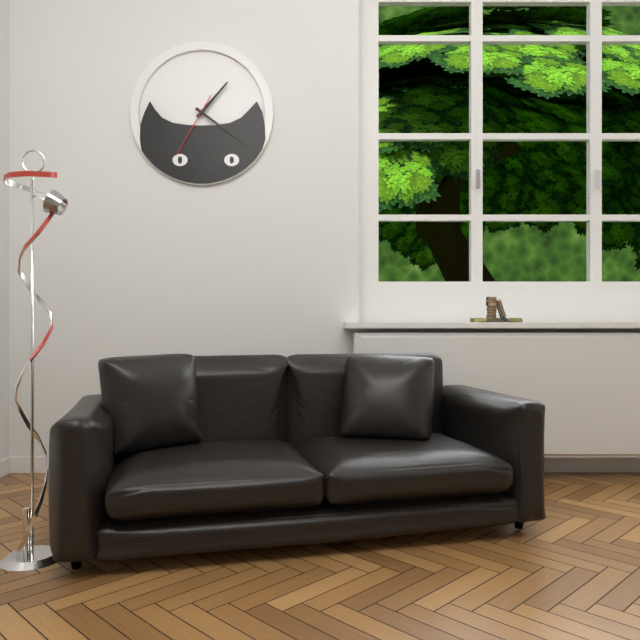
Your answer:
h=1 m=21 s=35
